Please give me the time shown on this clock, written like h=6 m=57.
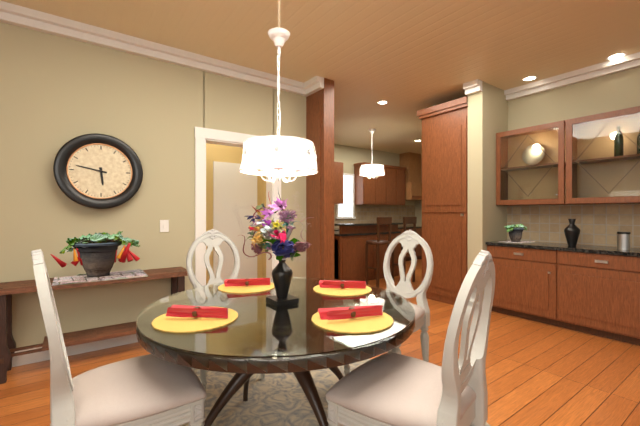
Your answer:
h=5 m=47
